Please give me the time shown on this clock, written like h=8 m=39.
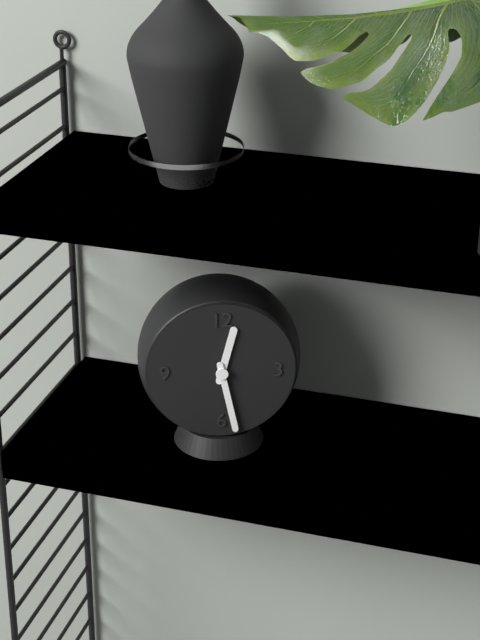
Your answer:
h=12 m=28
